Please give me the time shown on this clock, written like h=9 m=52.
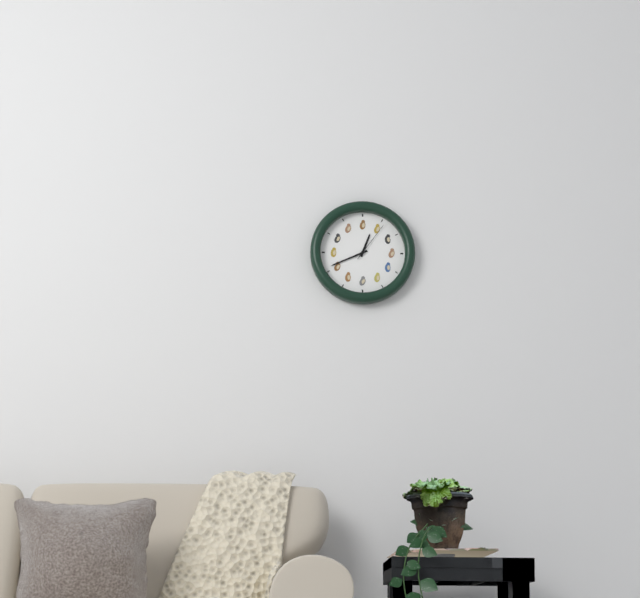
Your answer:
h=12 m=41
